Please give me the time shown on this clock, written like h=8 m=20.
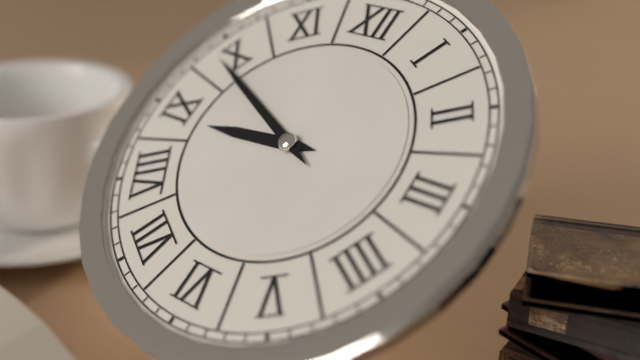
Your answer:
h=8 m=49
